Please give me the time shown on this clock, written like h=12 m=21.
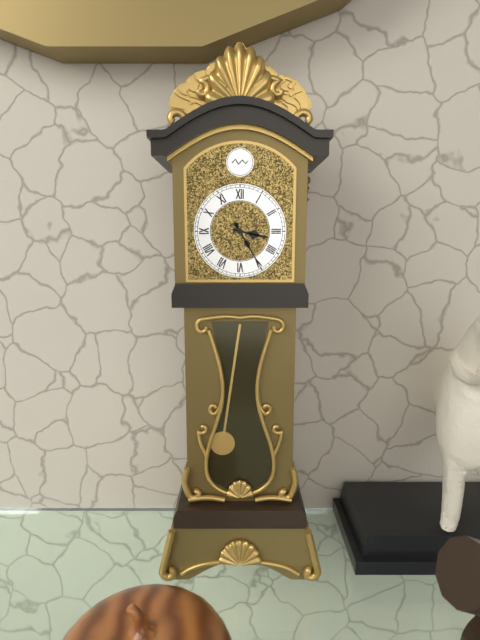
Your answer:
h=3 m=25
